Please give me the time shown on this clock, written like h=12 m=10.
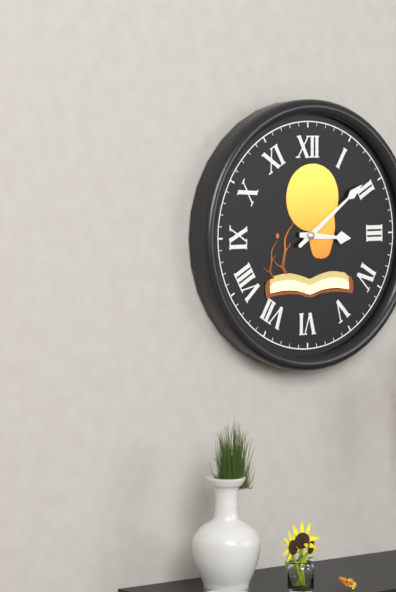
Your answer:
h=3 m=9
